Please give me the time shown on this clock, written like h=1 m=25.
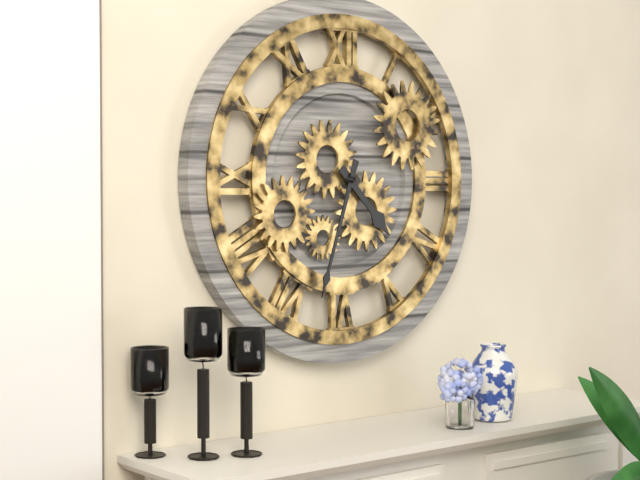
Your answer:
h=4 m=33
